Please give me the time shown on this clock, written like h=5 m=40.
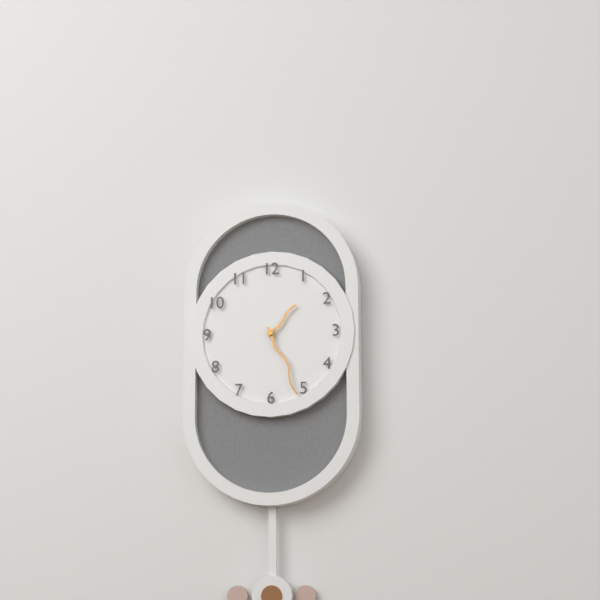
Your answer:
h=1 m=26
